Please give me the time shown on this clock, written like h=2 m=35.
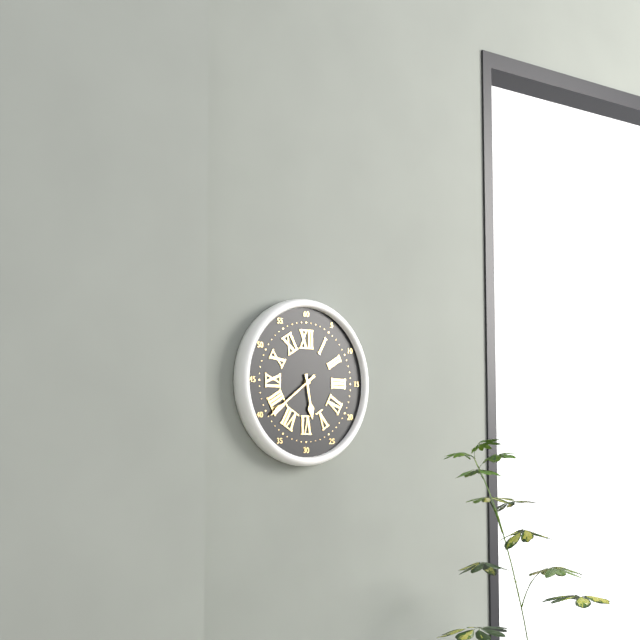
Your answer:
h=5 m=39
